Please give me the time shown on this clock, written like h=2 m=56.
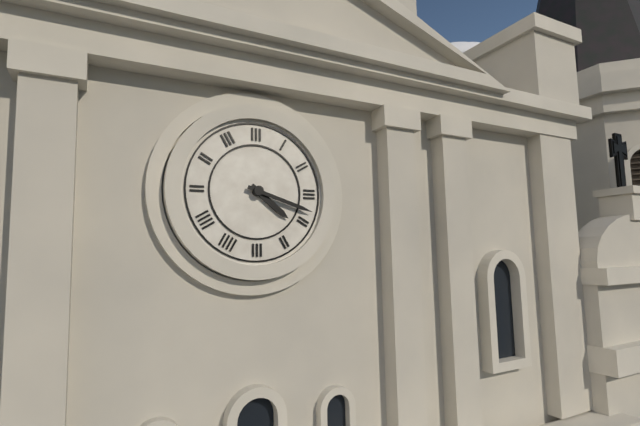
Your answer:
h=4 m=18
